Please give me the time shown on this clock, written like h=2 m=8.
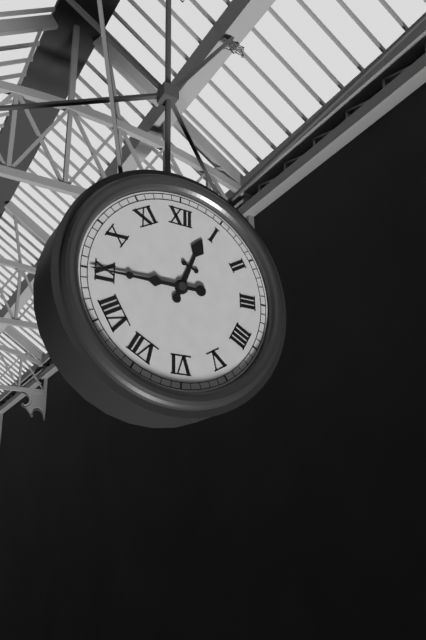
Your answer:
h=12 m=45
